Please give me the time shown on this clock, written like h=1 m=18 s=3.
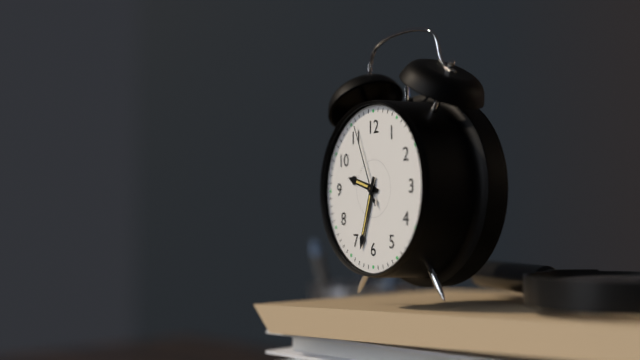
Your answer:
h=9 m=33 s=56
